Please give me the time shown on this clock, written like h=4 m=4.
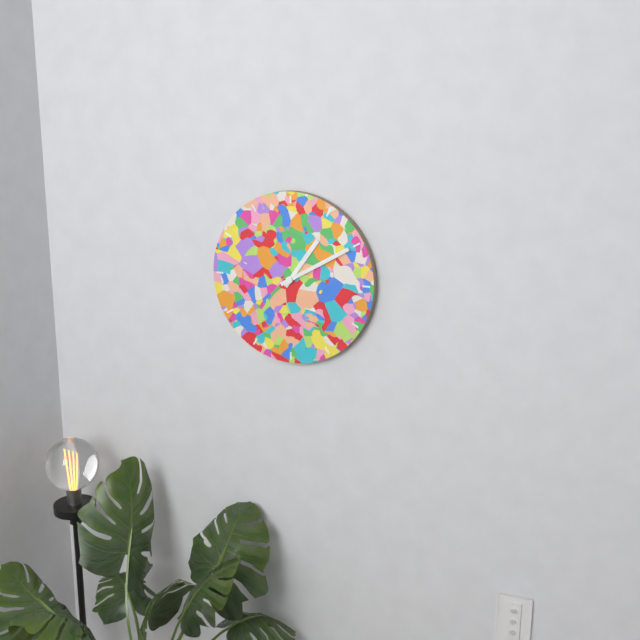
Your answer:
h=1 m=10
